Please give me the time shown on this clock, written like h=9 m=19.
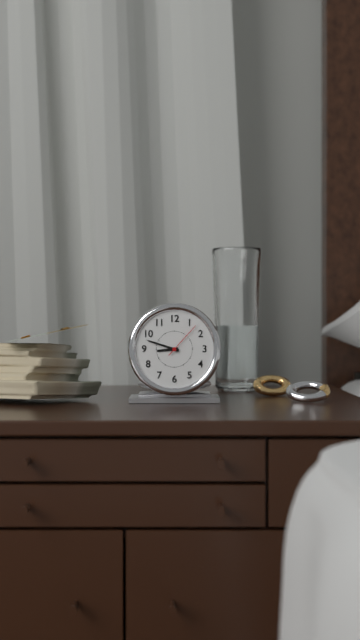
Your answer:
h=8 m=48
